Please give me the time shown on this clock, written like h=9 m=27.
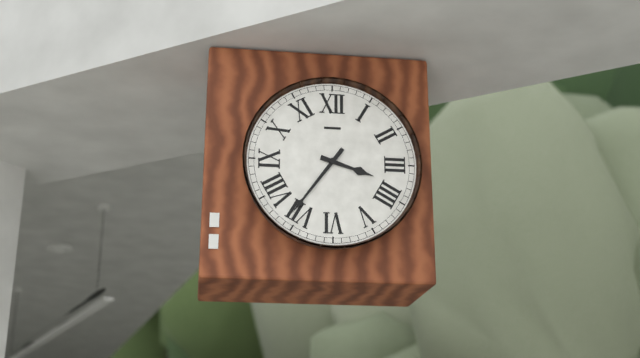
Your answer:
h=3 m=36
